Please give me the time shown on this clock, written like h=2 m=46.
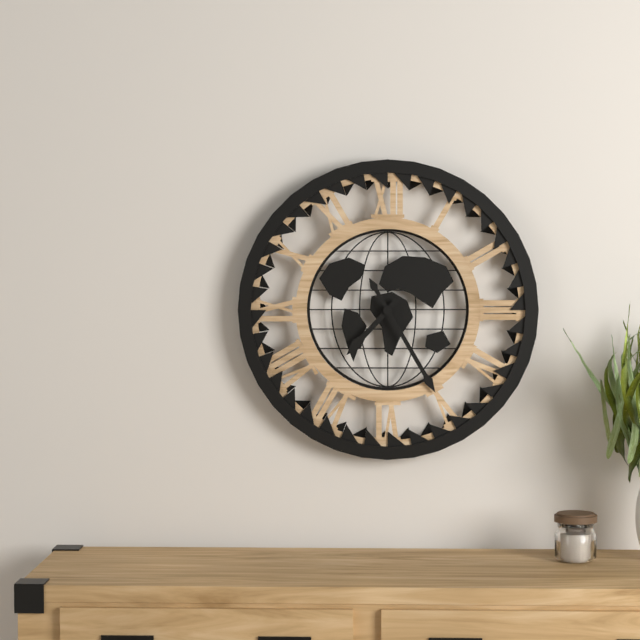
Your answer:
h=7 m=25
